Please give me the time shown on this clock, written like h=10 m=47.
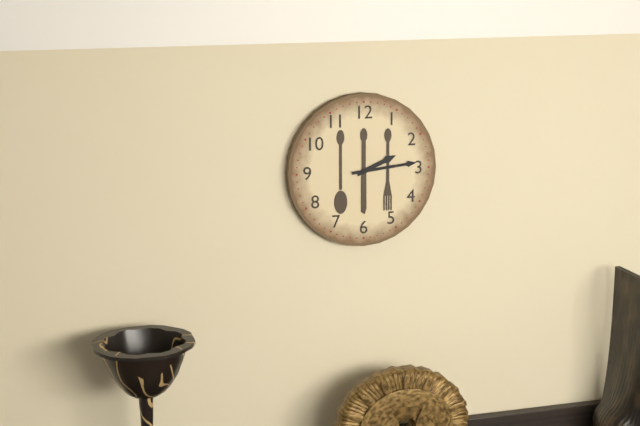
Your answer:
h=2 m=14
